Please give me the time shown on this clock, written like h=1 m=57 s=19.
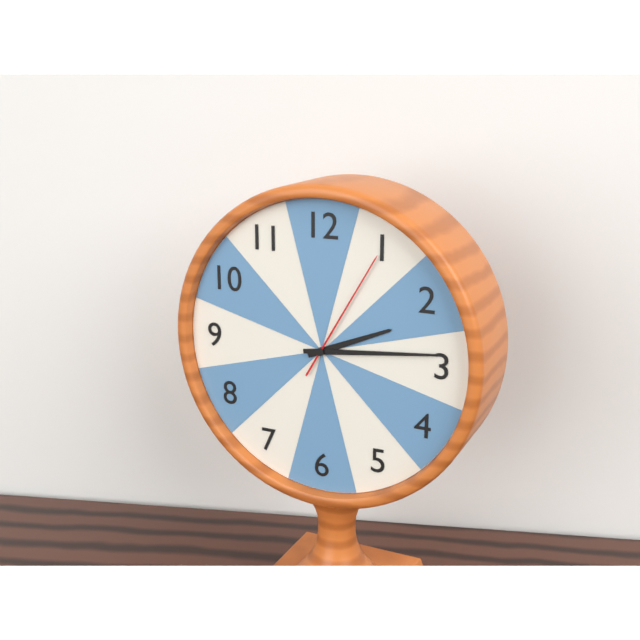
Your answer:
h=2 m=14 s=5
